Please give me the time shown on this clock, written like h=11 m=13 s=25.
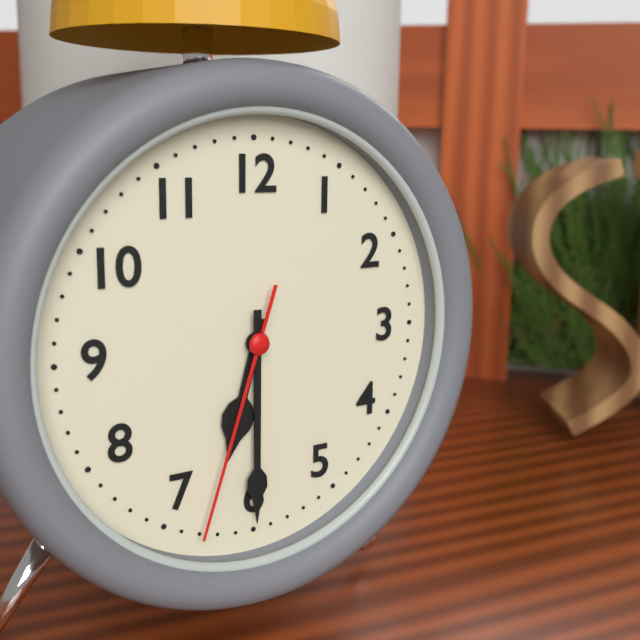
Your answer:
h=6 m=30 s=33
